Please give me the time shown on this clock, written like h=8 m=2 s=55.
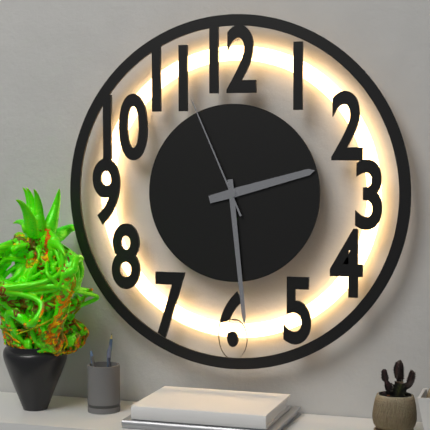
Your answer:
h=2 m=29 s=56
